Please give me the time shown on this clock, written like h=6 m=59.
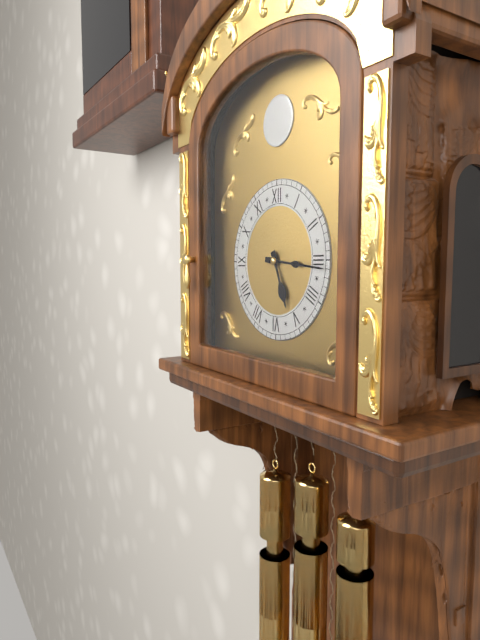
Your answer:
h=5 m=16
